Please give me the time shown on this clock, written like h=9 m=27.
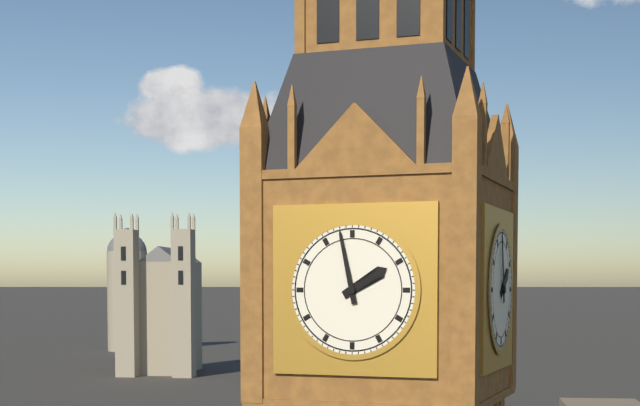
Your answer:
h=1 m=58
